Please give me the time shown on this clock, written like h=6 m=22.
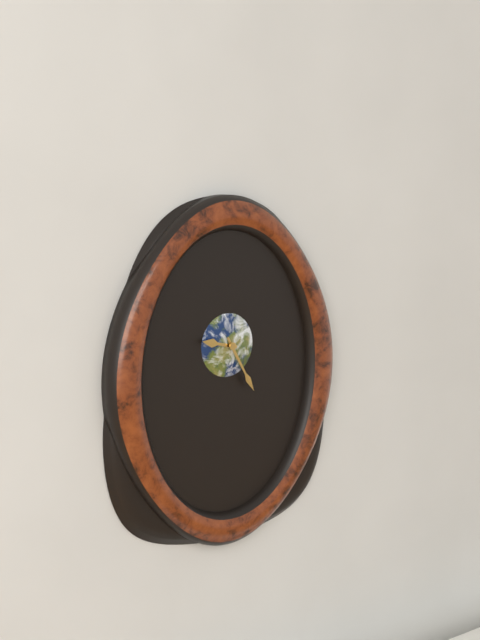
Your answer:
h=9 m=25
